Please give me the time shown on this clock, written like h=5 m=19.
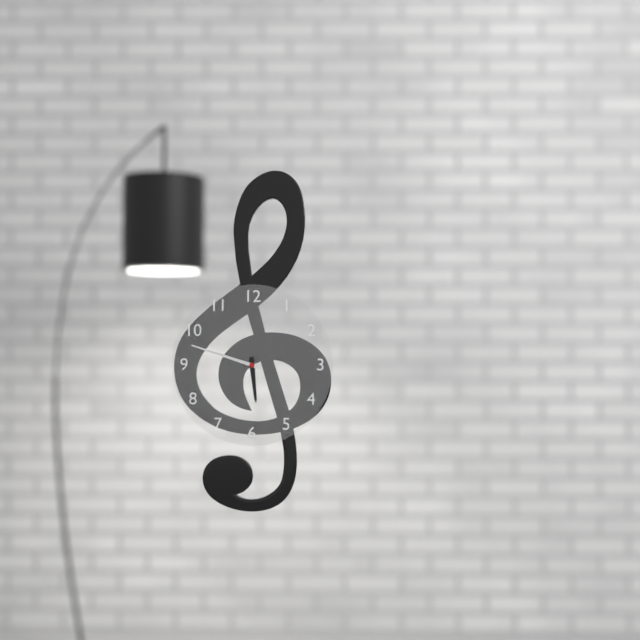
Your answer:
h=5 m=48
